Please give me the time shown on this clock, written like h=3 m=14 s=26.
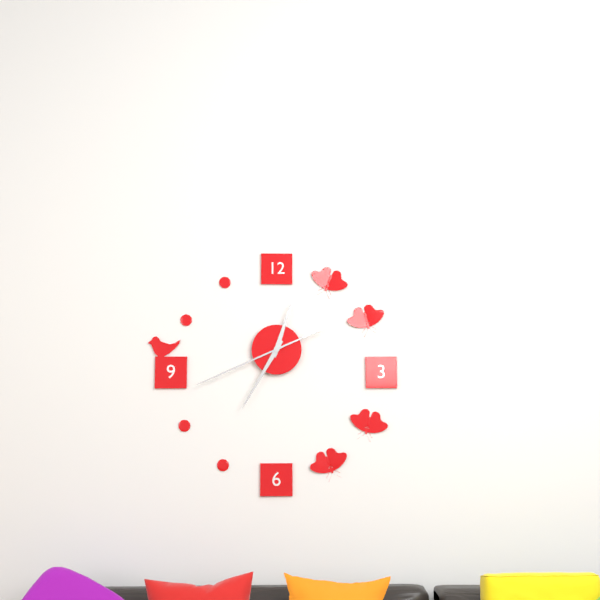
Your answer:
h=12 m=35 s=41
